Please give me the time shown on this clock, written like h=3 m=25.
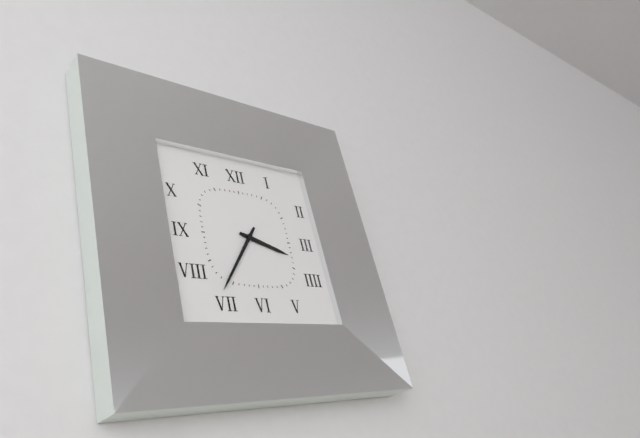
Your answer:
h=3 m=36
